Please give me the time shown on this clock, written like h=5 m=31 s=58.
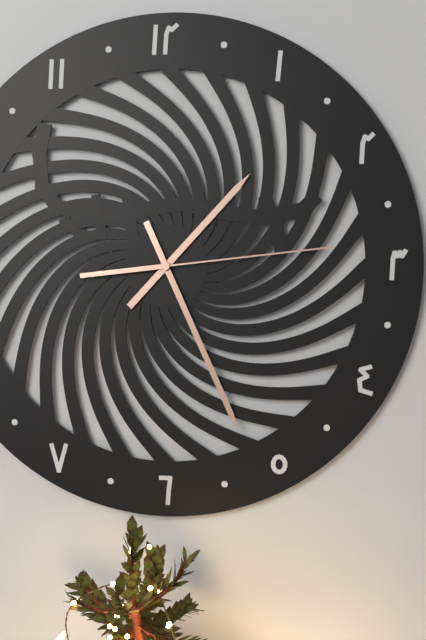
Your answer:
h=1 m=26 s=14
